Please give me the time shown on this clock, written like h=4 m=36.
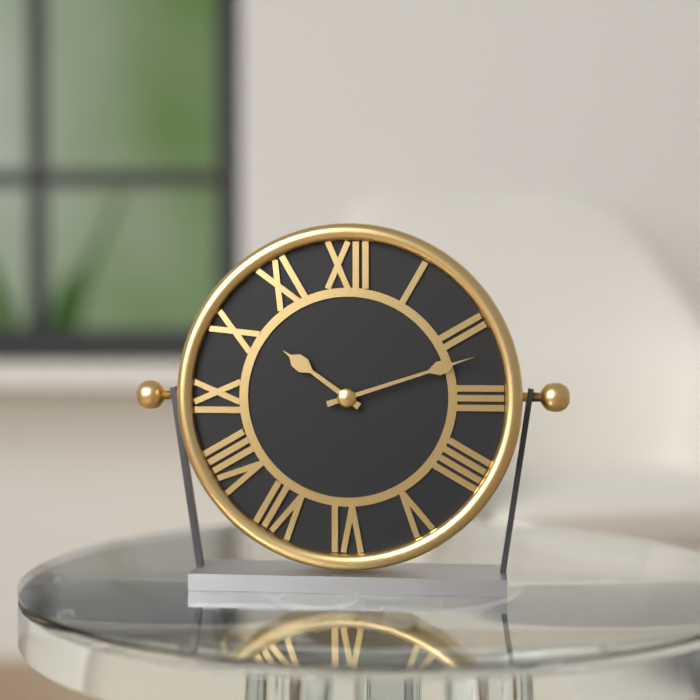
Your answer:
h=10 m=12
